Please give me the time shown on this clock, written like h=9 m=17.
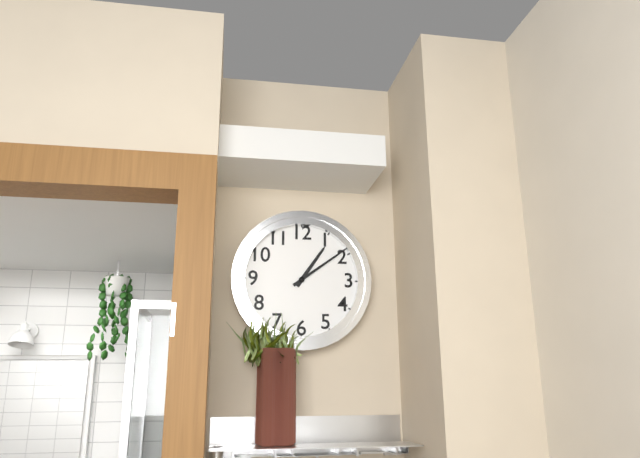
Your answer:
h=1 m=9
